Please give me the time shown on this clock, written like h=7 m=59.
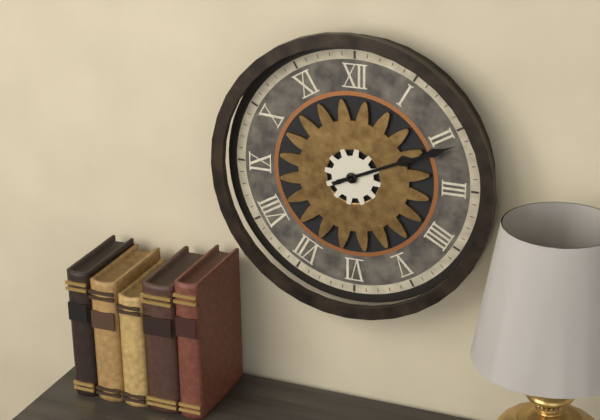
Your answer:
h=2 m=11
